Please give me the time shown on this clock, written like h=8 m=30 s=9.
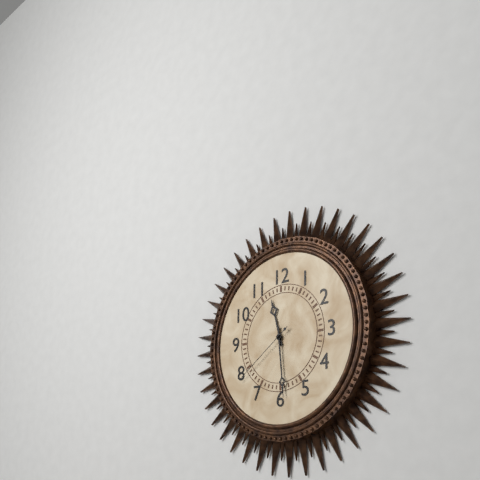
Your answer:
h=11 m=29 s=39
